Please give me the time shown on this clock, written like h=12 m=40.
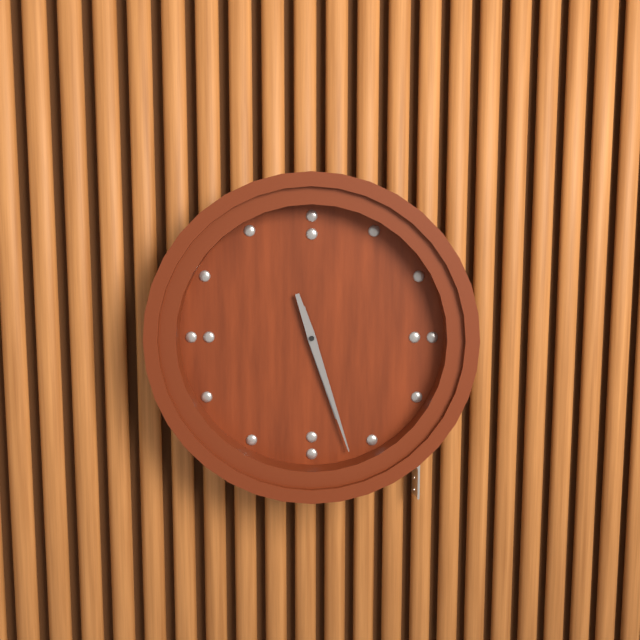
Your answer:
h=5 m=27
